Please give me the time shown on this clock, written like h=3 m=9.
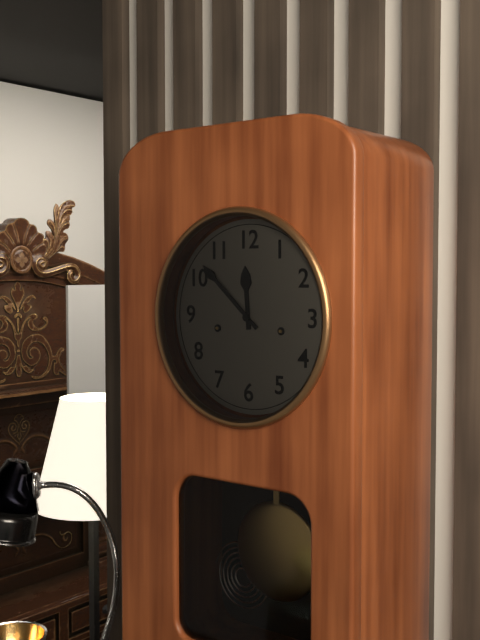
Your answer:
h=11 m=52
